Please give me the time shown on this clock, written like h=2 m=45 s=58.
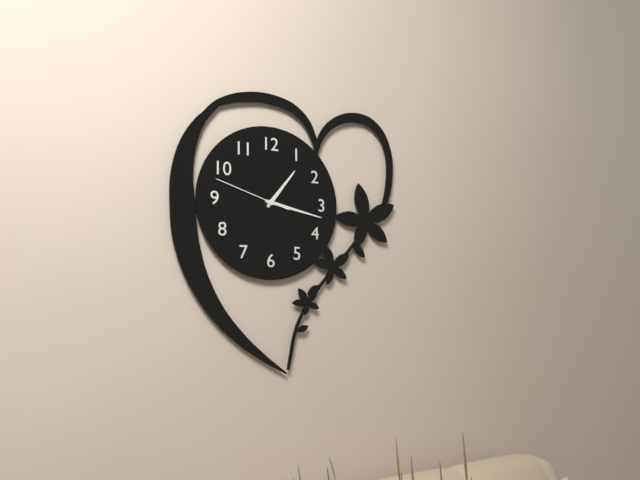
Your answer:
h=1 m=17 s=48
